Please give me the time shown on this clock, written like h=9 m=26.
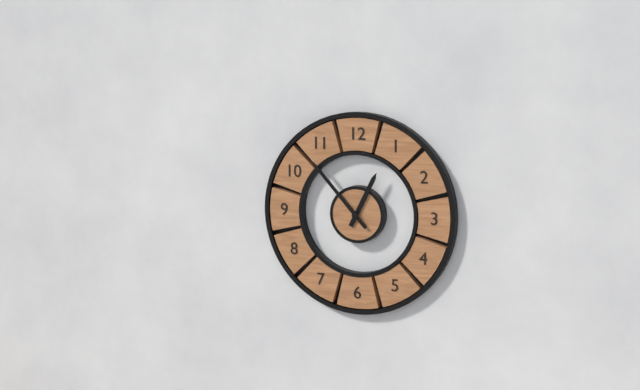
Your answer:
h=12 m=53
